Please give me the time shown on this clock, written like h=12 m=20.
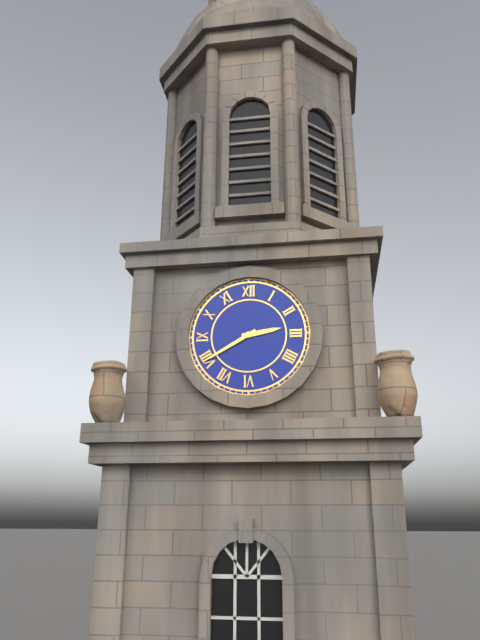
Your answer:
h=2 m=40
